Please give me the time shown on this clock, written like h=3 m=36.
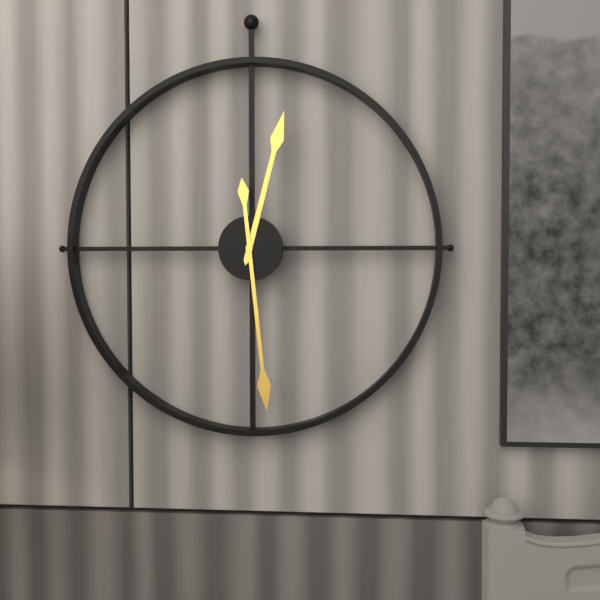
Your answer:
h=12 m=29
